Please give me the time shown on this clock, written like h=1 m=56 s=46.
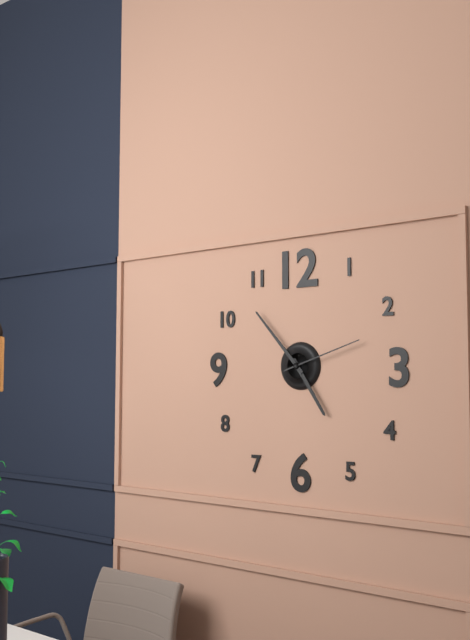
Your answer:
h=4 m=53 s=12
